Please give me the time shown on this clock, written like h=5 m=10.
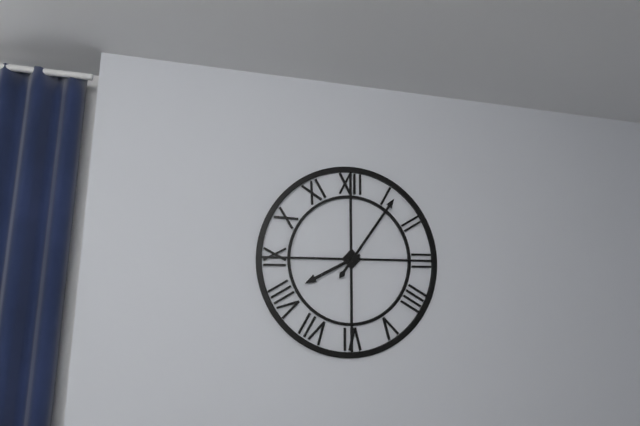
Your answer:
h=8 m=6
